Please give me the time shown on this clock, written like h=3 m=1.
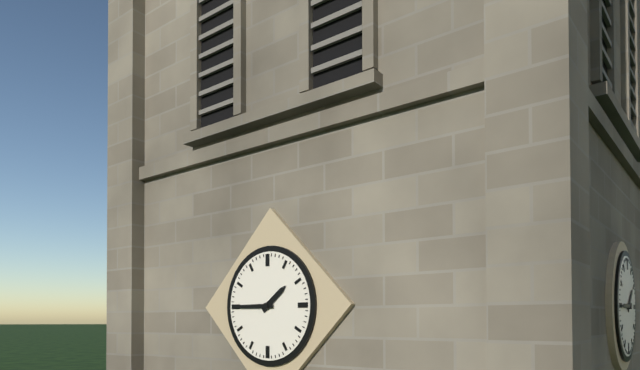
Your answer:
h=1 m=45
